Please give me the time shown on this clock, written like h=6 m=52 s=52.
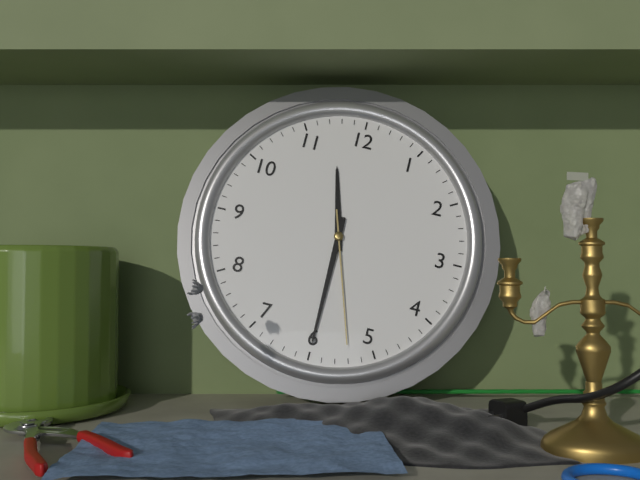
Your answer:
h=11 m=30 s=27
